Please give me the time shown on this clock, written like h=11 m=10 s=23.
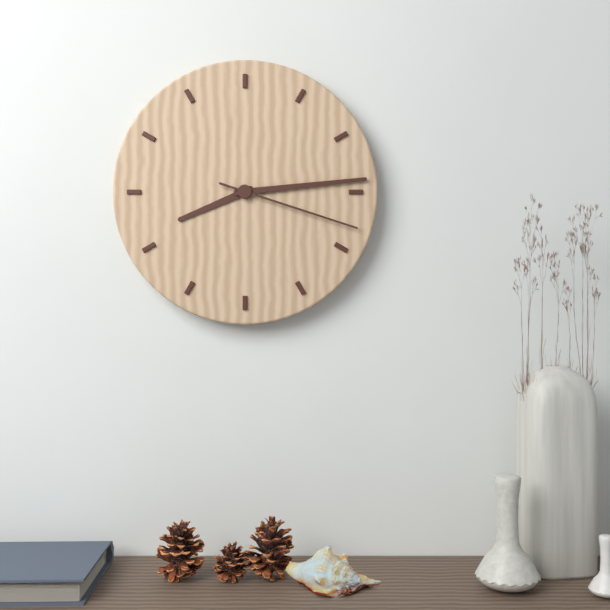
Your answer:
h=8 m=14 s=18
